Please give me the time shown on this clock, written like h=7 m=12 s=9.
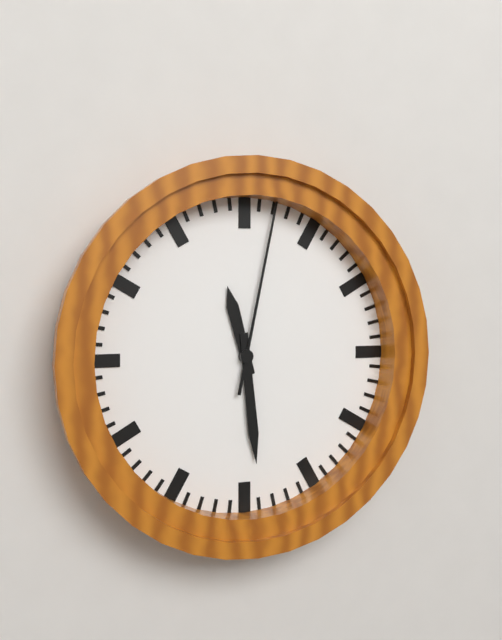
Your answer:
h=11 m=29 s=2
